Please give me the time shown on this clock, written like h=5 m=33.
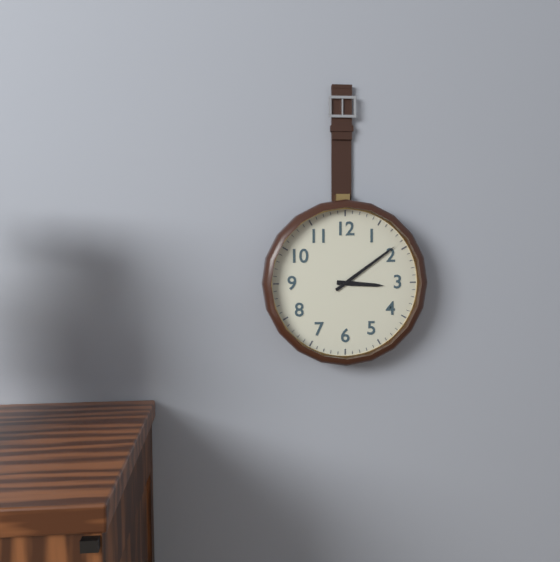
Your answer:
h=3 m=9
